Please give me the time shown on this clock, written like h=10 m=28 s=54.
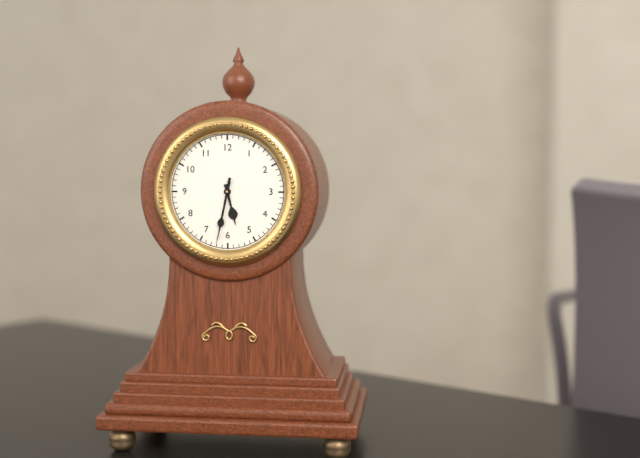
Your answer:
h=5 m=32 s=32
